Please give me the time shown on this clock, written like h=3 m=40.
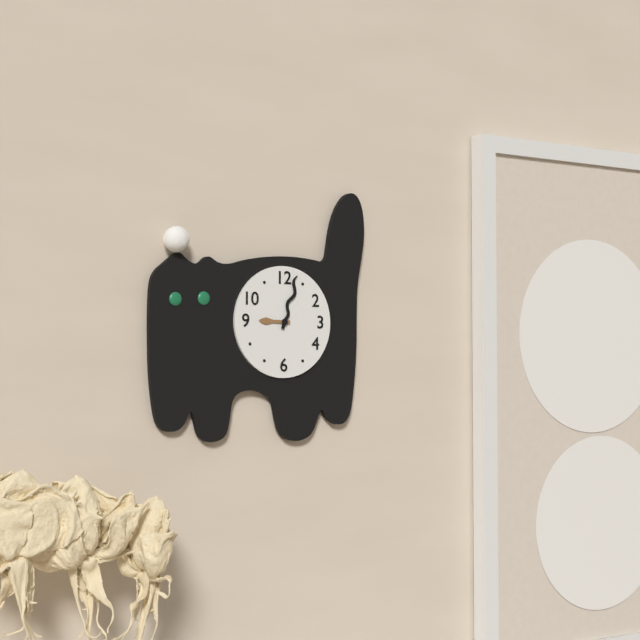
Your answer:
h=9 m=3
